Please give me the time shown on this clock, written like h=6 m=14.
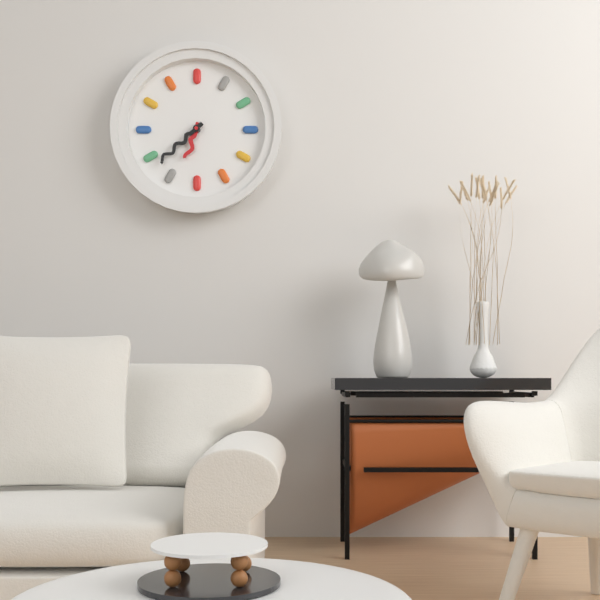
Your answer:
h=6 m=38
